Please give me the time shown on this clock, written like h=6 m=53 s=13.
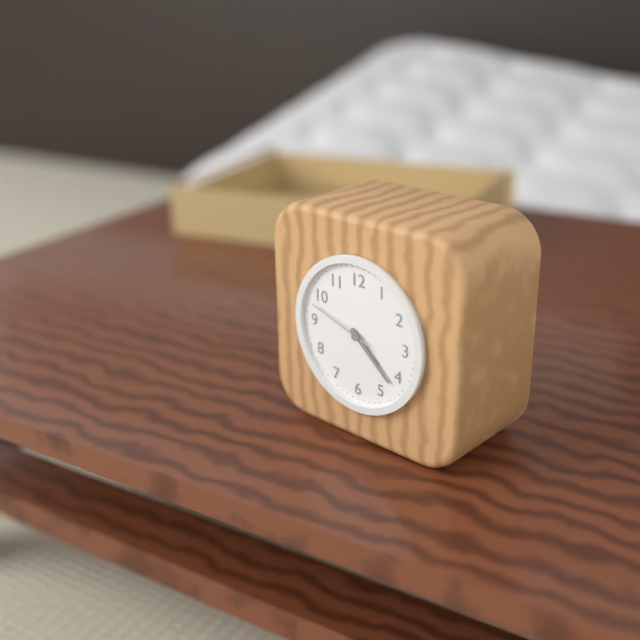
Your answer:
h=4 m=22 s=48
